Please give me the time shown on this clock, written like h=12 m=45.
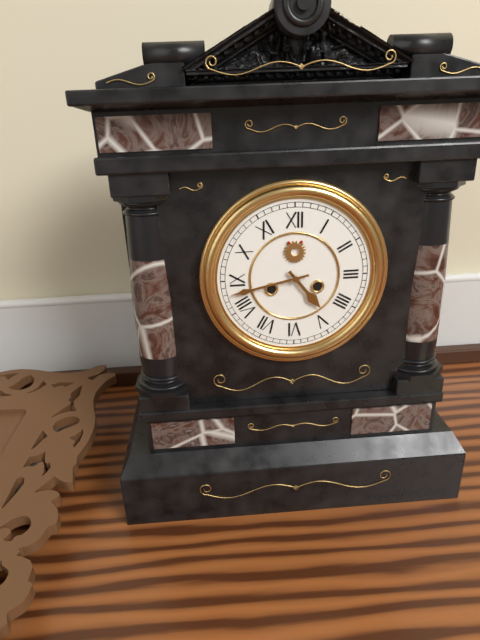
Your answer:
h=4 m=43
